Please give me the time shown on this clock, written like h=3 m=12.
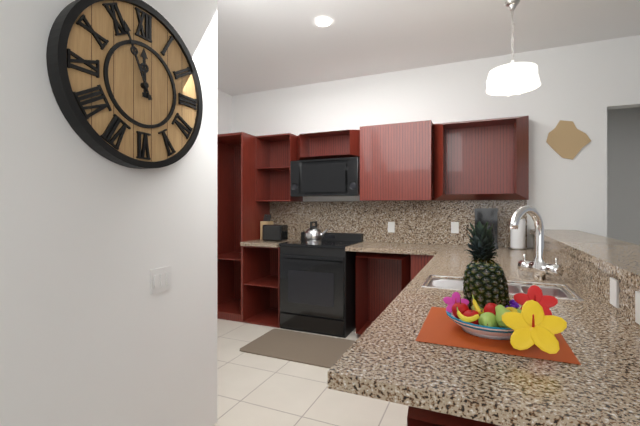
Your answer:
h=11 m=56
